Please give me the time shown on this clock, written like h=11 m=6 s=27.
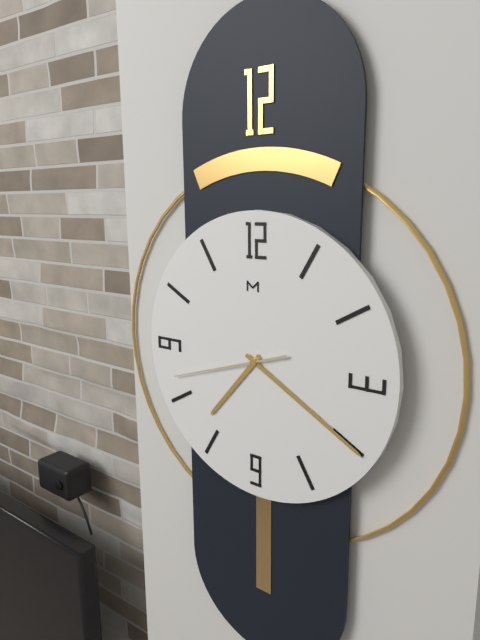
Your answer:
h=7 m=20 s=42
